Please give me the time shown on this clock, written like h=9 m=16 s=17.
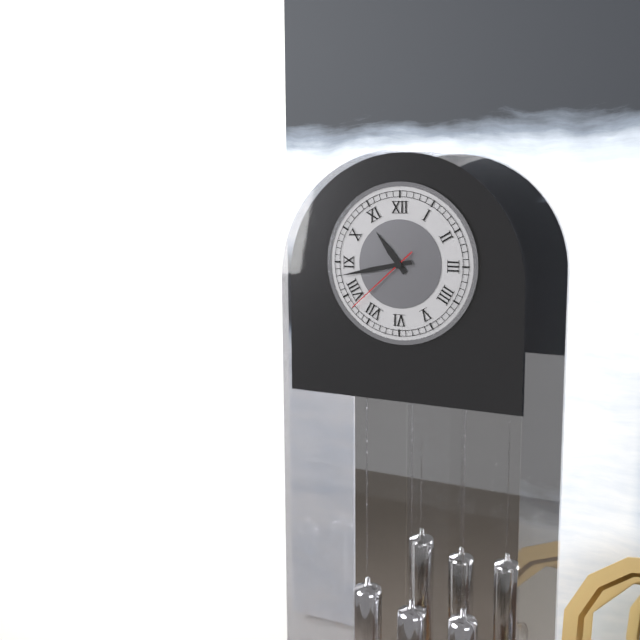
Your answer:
h=10 m=43 s=38
